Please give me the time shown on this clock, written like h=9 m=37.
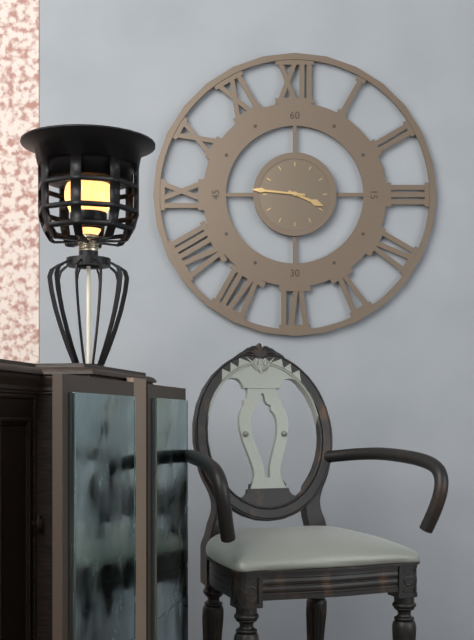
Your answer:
h=3 m=46
